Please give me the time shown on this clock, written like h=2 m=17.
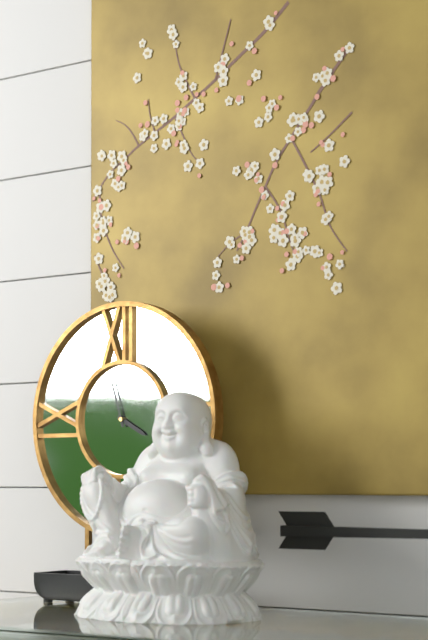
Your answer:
h=3 m=57
